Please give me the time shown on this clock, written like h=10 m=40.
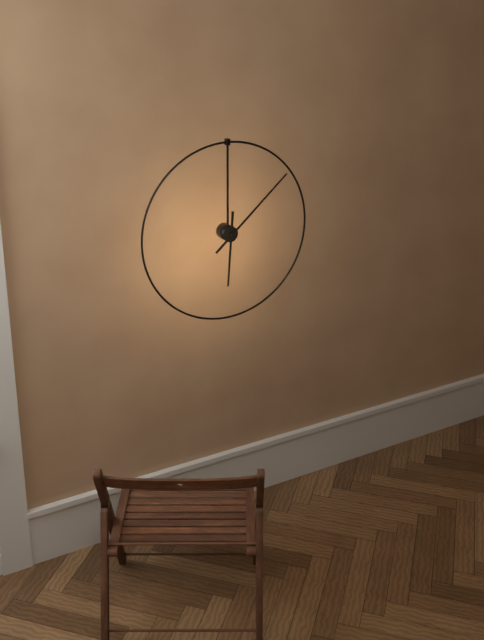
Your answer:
h=6 m=8
